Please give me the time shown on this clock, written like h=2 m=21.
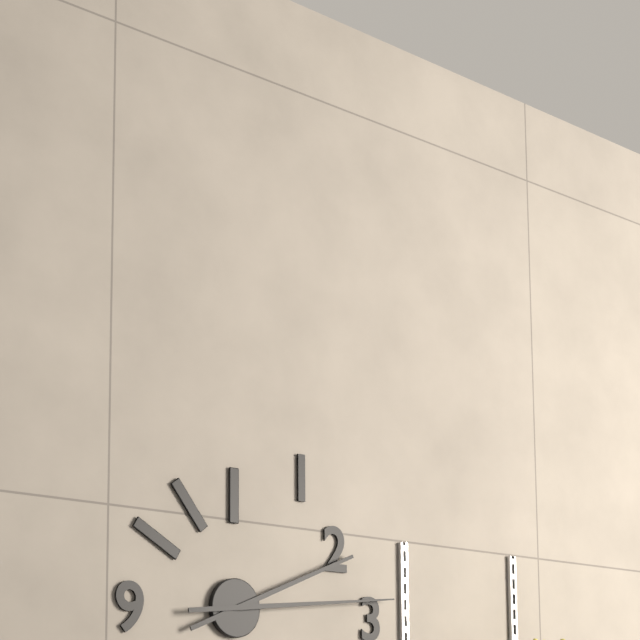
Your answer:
h=2 m=14
